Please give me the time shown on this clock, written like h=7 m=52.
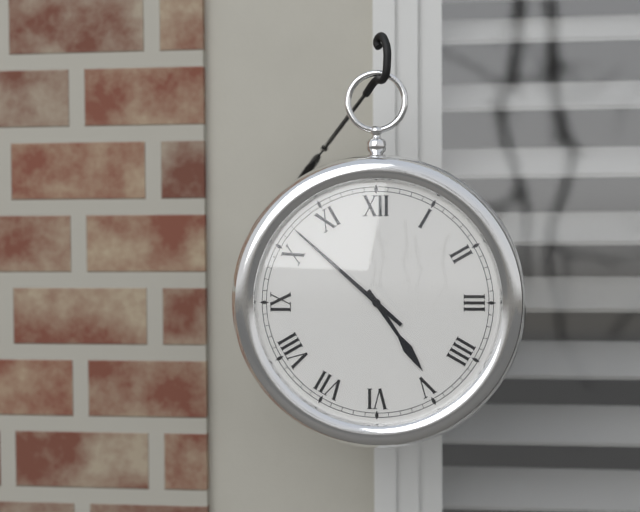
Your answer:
h=4 m=52
